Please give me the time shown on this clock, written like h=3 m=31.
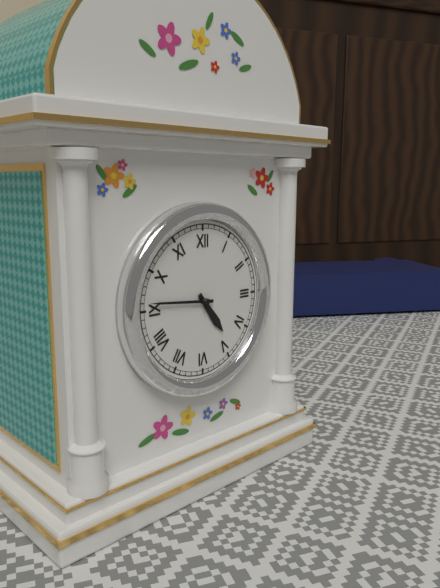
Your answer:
h=4 m=46
